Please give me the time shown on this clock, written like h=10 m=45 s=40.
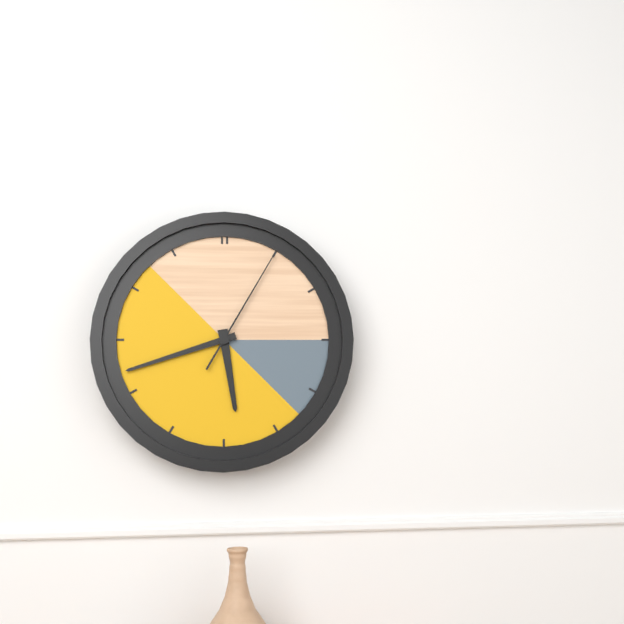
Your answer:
h=5 m=42 s=5
